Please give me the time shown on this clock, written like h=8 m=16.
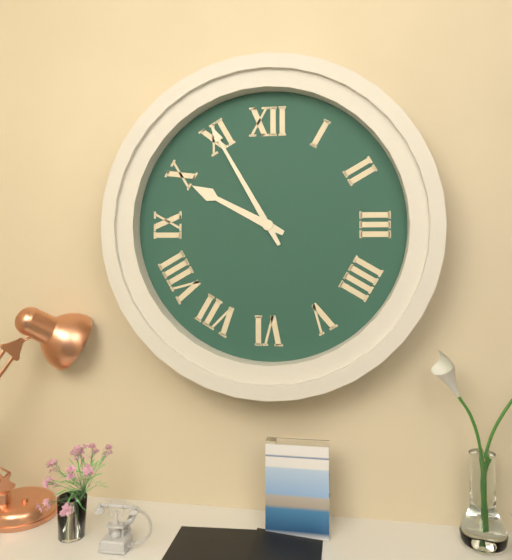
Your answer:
h=9 m=55
